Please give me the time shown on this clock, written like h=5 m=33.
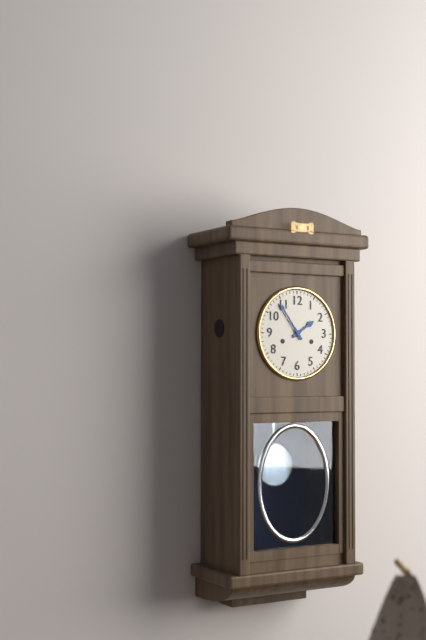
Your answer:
h=1 m=54
